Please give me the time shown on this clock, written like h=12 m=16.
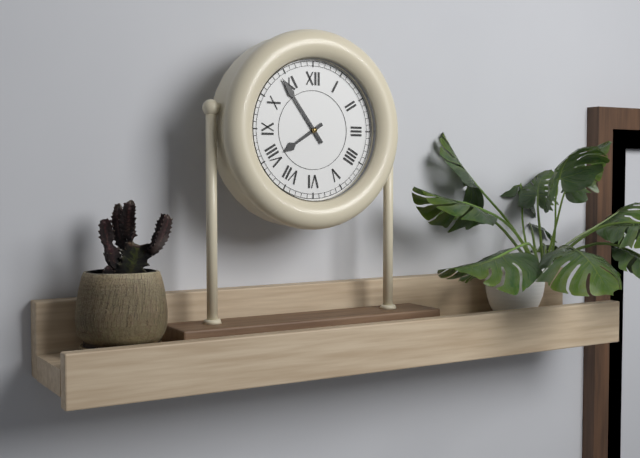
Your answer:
h=7 m=54
